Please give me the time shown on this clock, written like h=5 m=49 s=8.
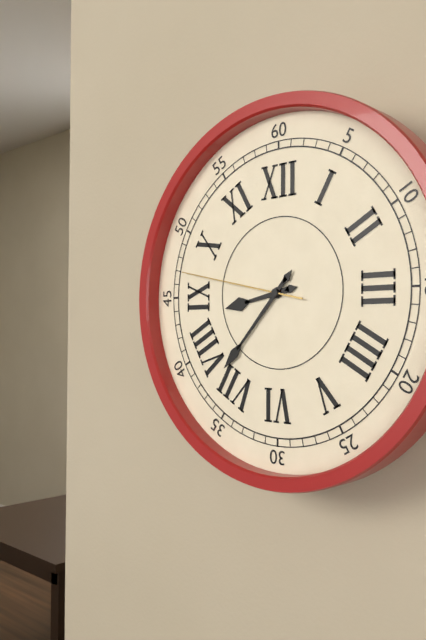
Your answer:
h=8 m=37 s=47
